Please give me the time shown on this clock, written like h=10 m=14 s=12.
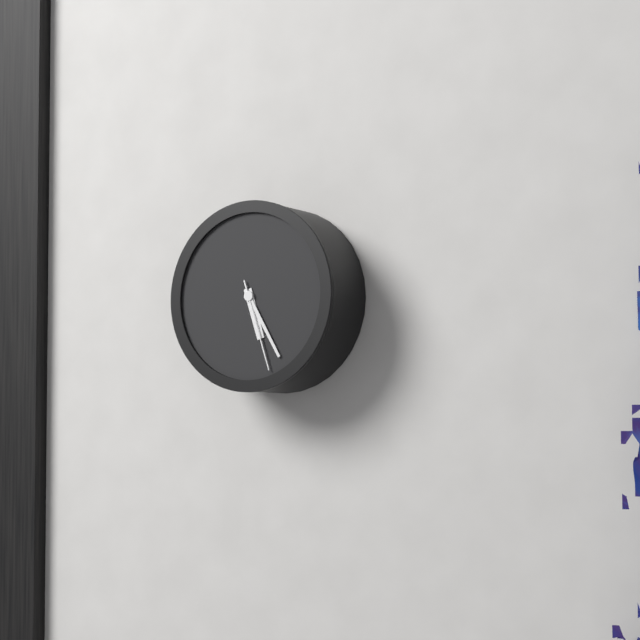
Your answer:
h=5 m=25 s=27
